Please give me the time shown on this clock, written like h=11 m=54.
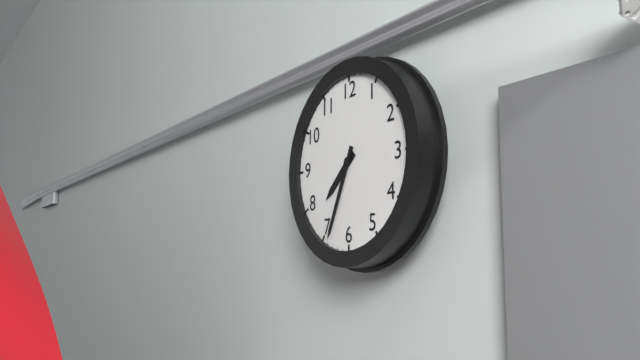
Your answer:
h=7 m=34
